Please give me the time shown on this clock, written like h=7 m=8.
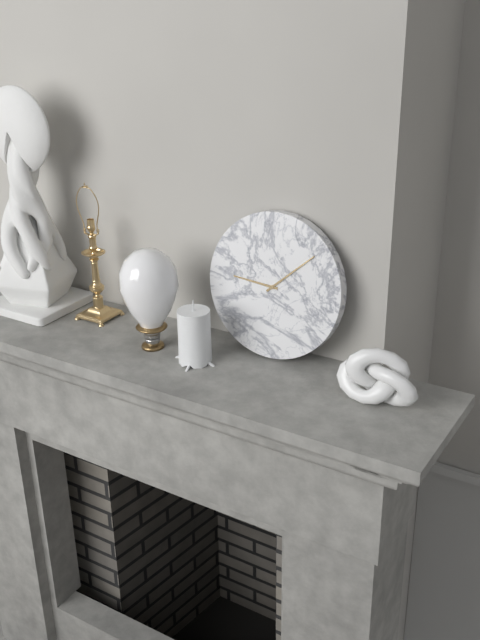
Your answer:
h=9 m=8
